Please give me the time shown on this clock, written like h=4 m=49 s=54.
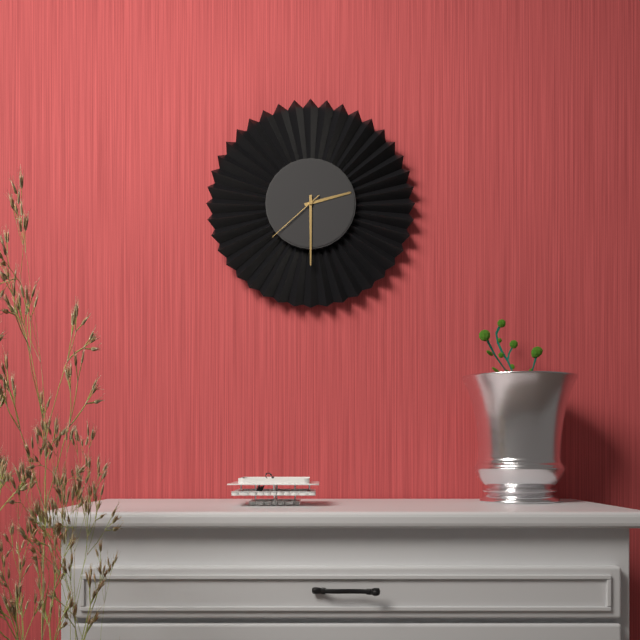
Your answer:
h=2 m=30 s=38
